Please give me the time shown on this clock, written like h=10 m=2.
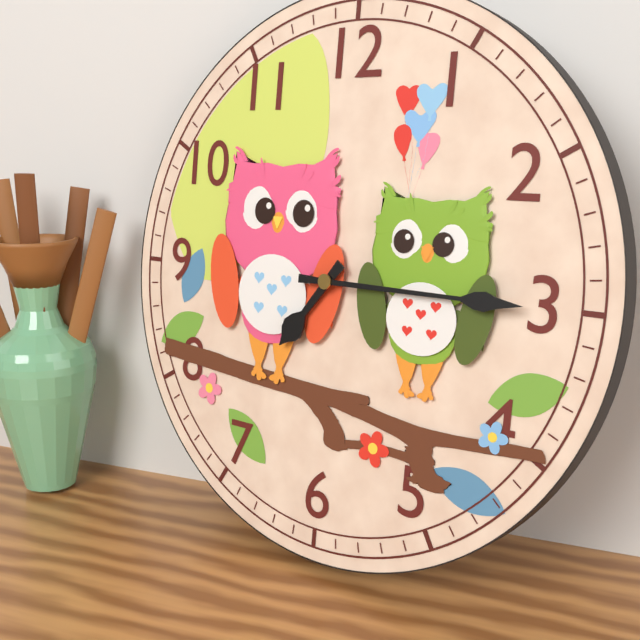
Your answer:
h=7 m=15
